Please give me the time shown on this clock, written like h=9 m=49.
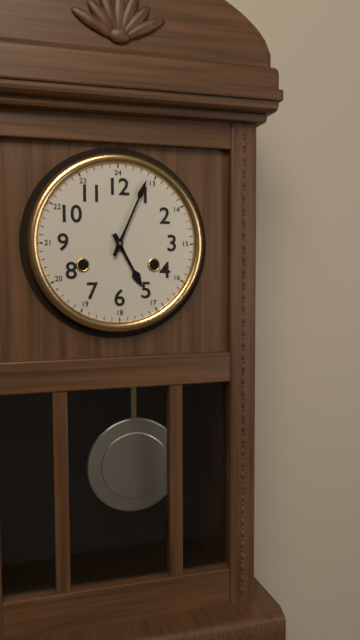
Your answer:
h=5 m=4
